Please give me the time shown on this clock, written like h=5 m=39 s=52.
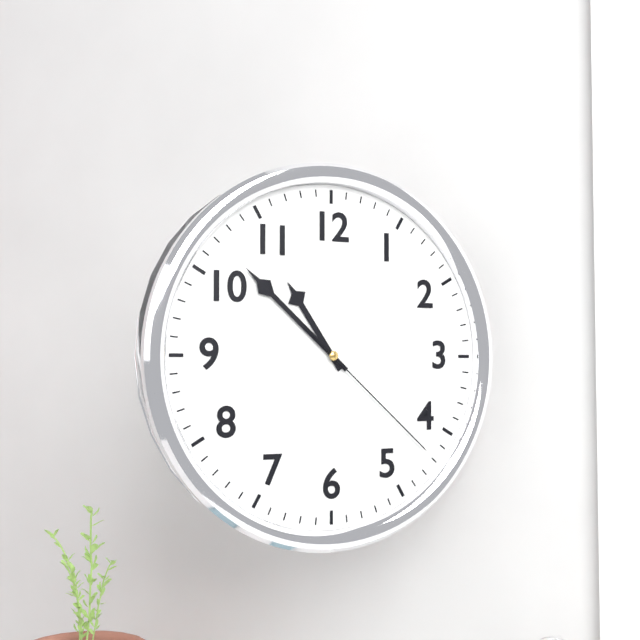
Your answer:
h=10 m=52 s=22
